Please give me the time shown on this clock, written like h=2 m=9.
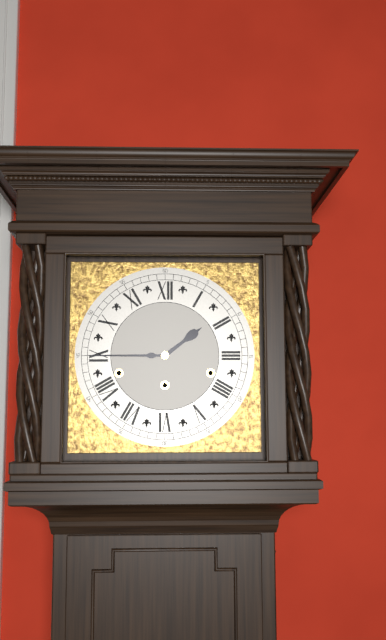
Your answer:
h=1 m=45
